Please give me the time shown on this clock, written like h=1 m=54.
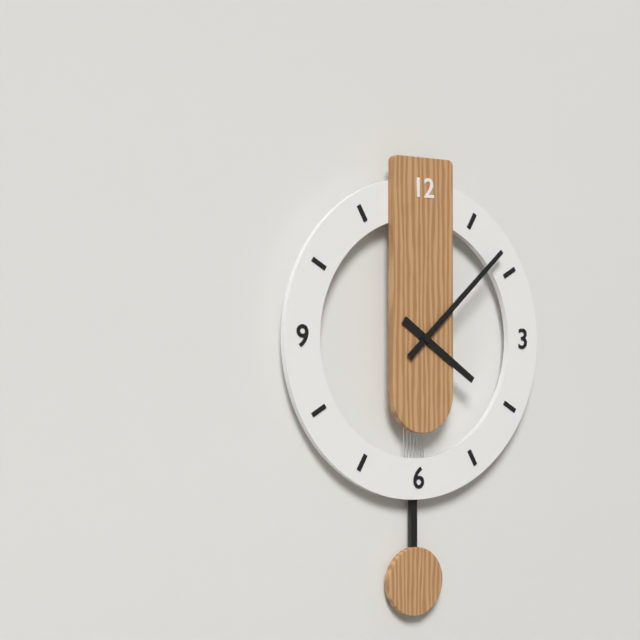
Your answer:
h=4 m=8
